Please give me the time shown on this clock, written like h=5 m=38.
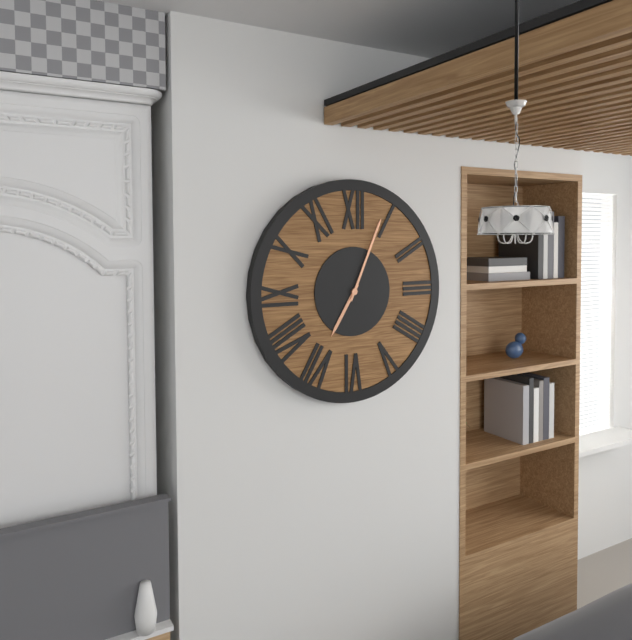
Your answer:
h=7 m=4
